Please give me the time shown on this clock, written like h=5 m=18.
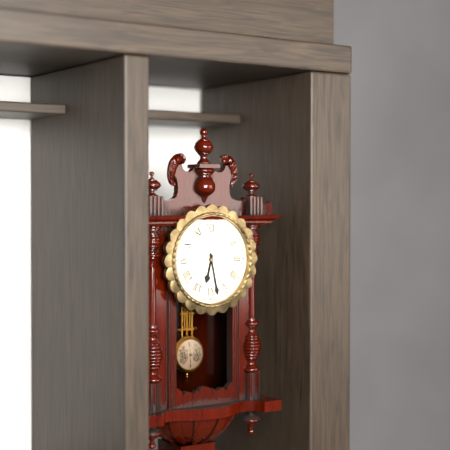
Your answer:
h=6 m=28
